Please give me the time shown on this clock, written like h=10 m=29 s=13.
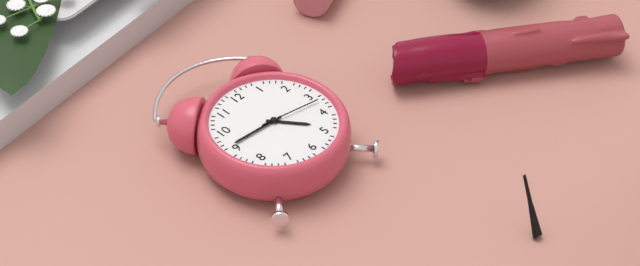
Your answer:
h=4 m=46 s=17
